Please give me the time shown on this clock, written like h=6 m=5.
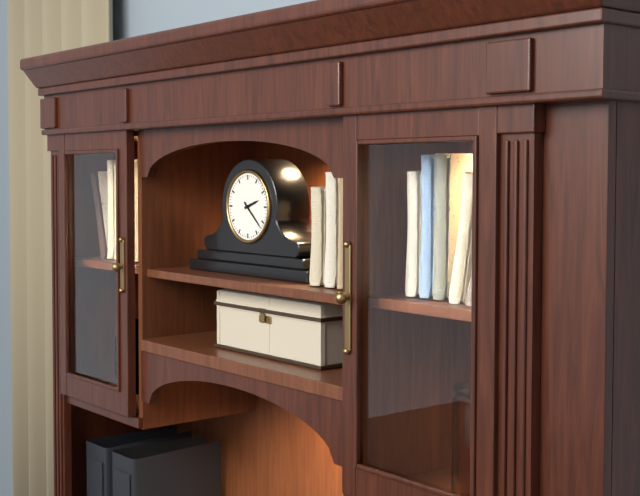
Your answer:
h=2 m=22
